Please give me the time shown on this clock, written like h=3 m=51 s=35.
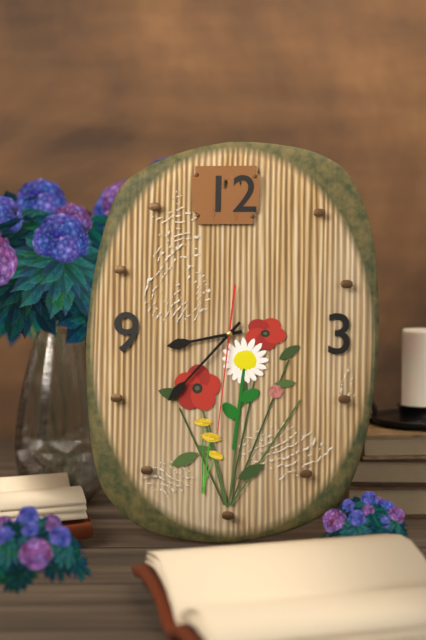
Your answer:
h=8 m=37 s=31
